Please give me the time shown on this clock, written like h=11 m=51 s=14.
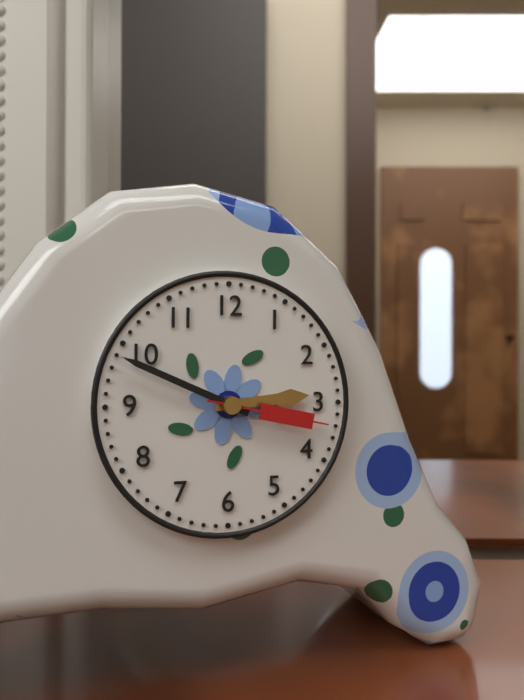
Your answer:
h=2 m=49 s=17
